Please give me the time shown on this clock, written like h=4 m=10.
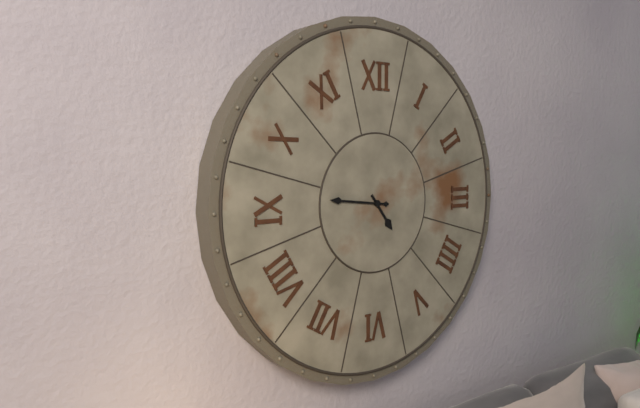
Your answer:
h=4 m=46
